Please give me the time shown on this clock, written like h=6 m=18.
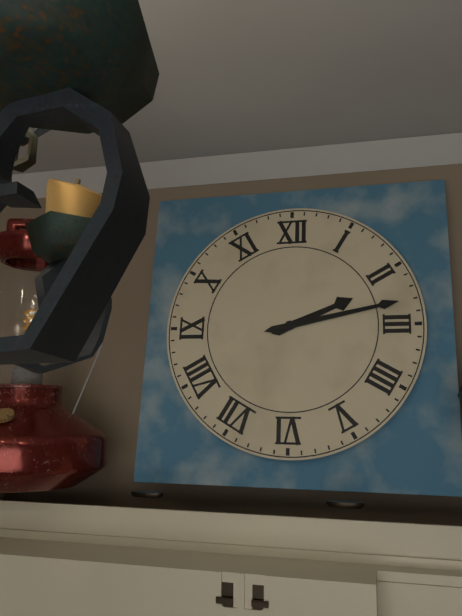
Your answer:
h=2 m=13
